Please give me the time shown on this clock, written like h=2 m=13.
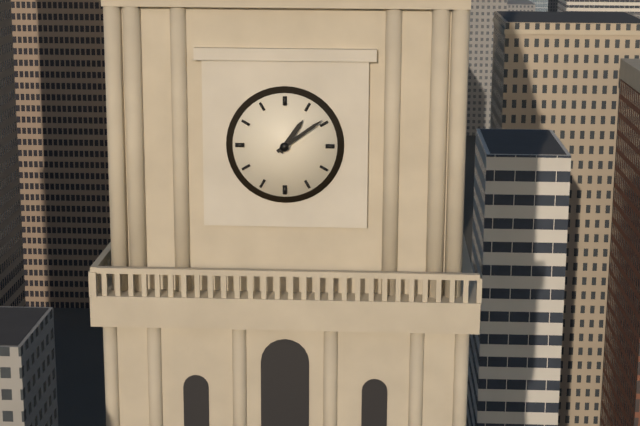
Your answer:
h=1 m=9
